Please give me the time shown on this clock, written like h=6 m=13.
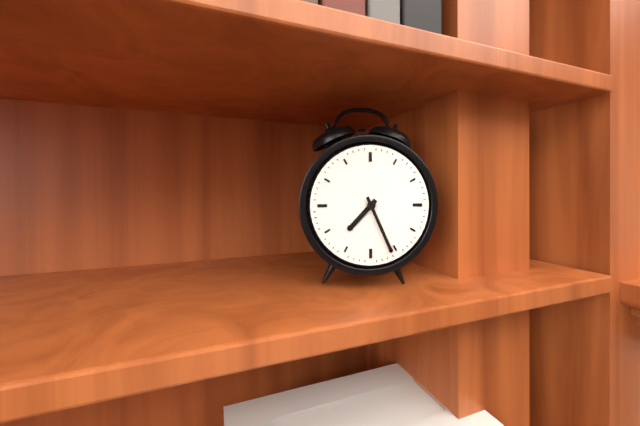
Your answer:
h=7 m=26
